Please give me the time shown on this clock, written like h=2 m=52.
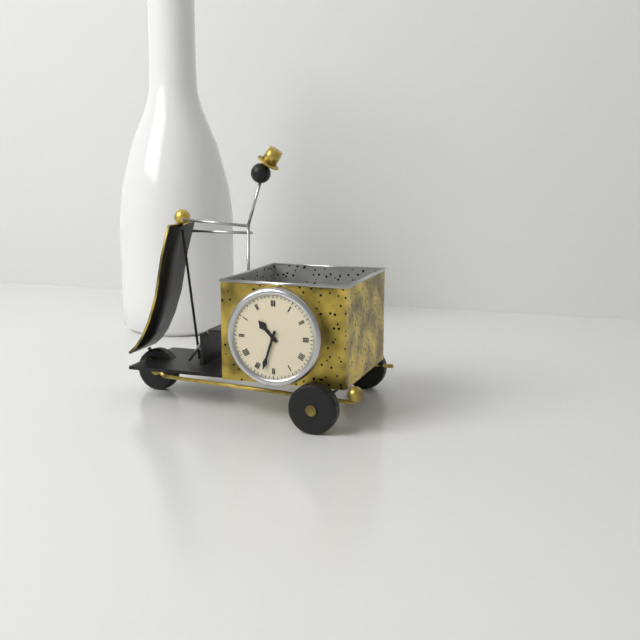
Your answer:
h=10 m=33
